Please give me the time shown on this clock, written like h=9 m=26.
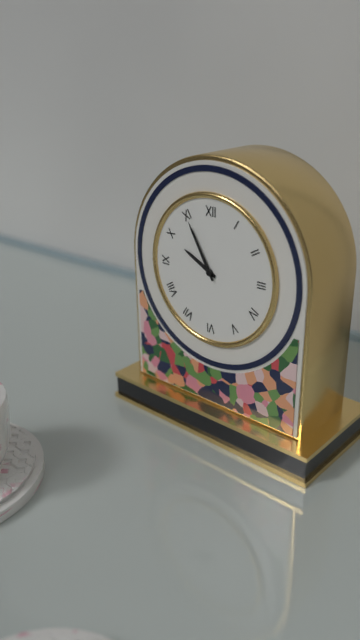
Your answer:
h=9 m=55
